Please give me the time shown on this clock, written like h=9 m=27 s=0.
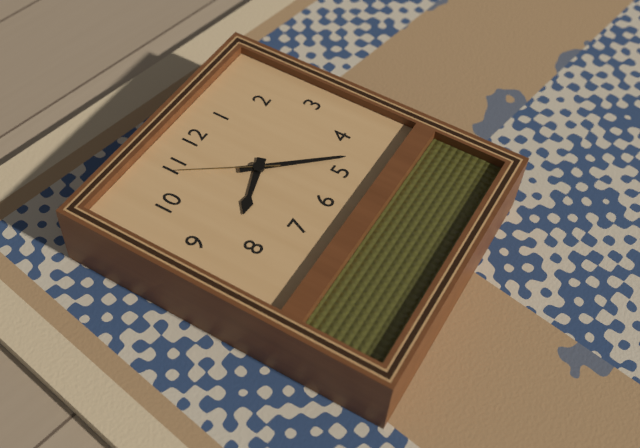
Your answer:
h=8 m=23 s=54
